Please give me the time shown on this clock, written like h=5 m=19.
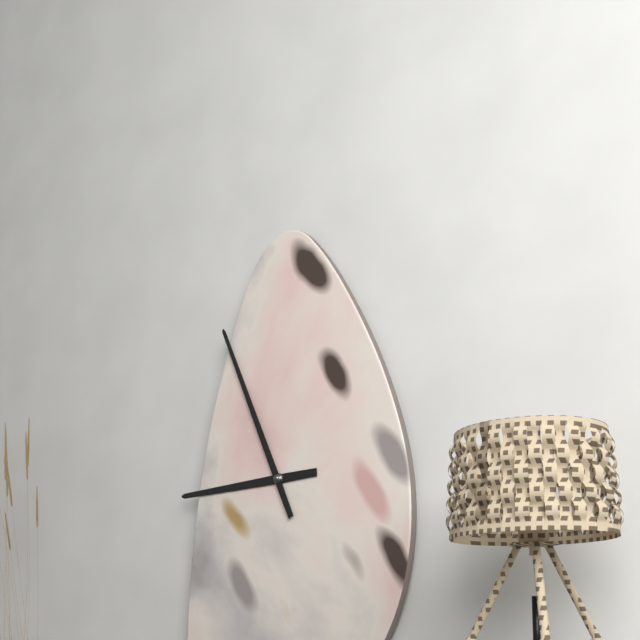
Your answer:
h=8 m=56
